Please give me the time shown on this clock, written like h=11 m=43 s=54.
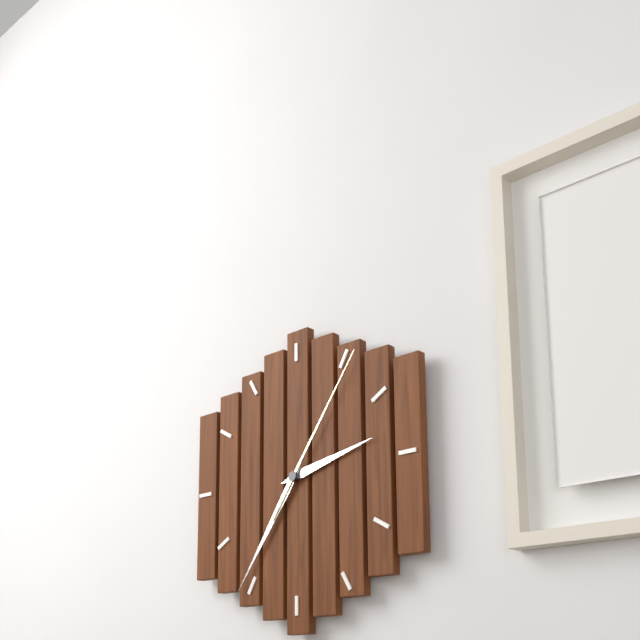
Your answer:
h=2 m=36 s=6
